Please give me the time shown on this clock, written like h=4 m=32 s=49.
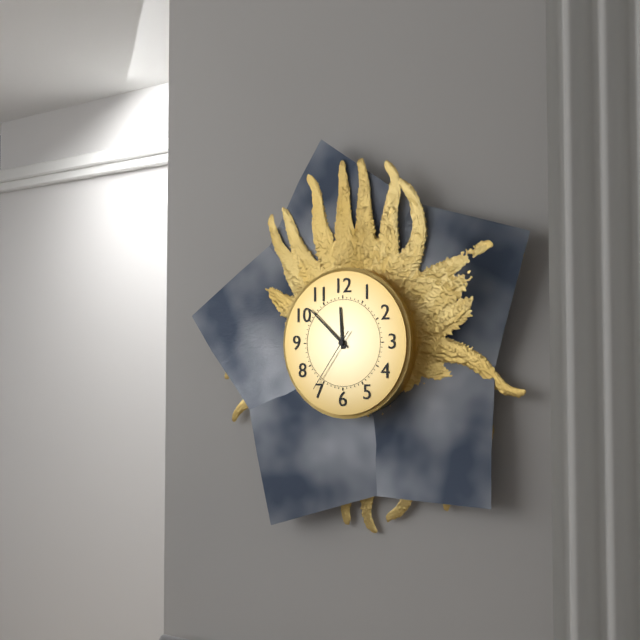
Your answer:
h=11 m=52 s=36
